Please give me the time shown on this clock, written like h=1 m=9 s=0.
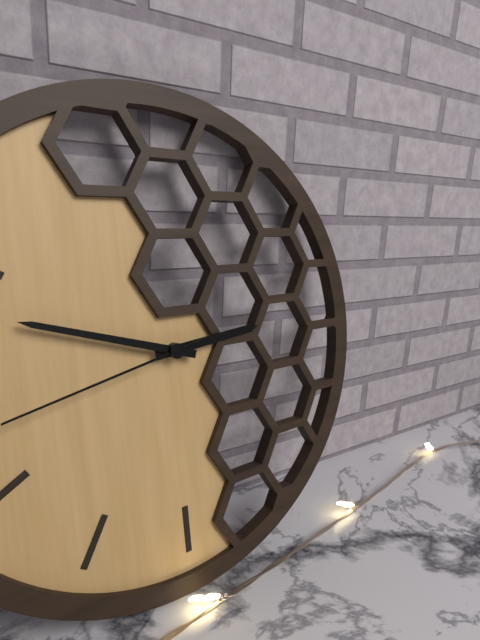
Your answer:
h=2 m=48 s=43
